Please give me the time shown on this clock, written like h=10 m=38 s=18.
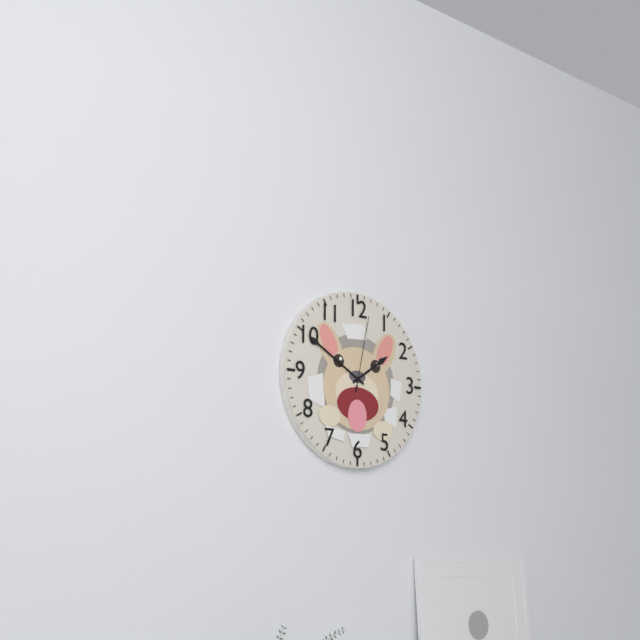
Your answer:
h=1 m=50 s=2
